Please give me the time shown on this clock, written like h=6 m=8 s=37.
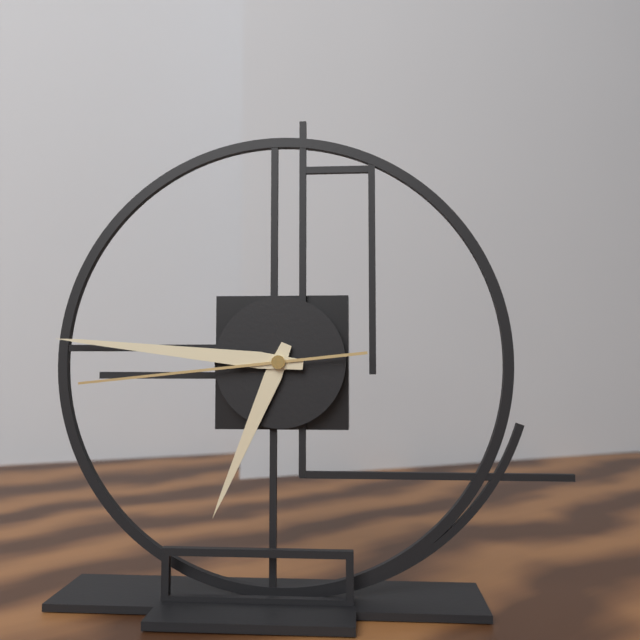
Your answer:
h=6 m=46 s=44
